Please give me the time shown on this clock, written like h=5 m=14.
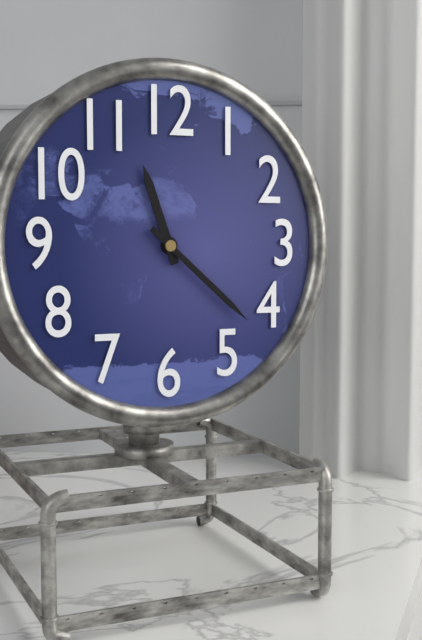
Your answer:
h=11 m=22
